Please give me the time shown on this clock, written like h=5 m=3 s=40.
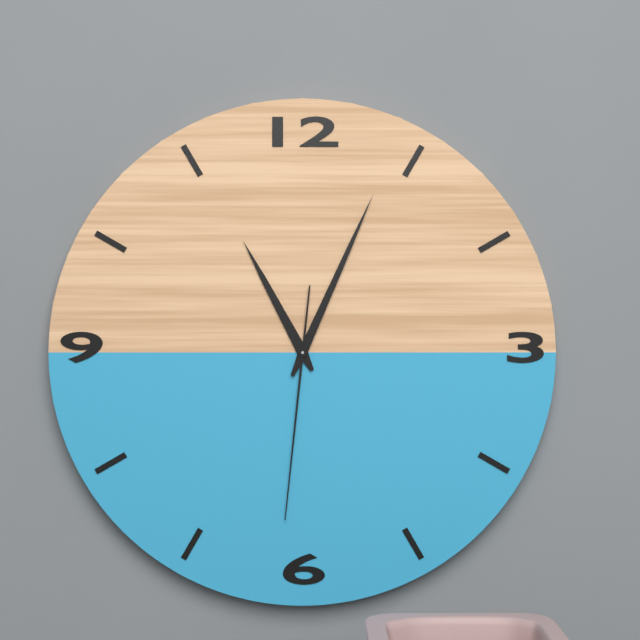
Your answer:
h=11 m=4 s=31
